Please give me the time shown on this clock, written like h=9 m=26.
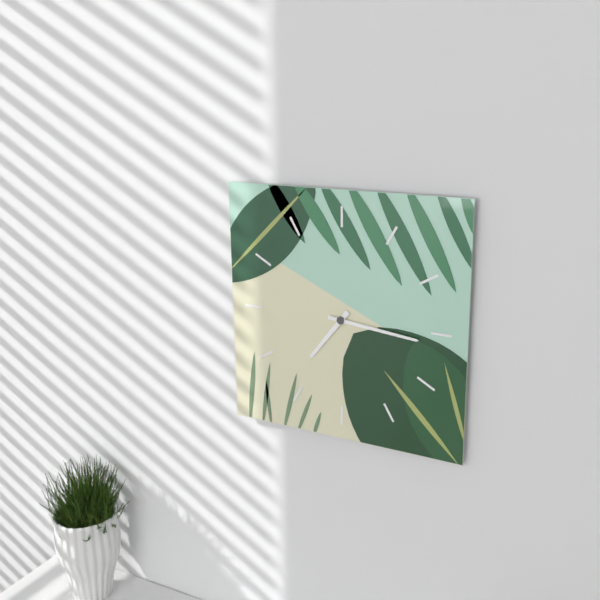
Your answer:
h=7 m=16
